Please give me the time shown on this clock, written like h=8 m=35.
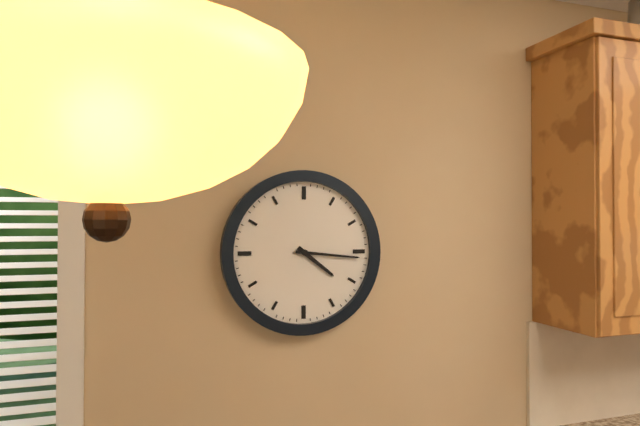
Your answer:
h=4 m=16
